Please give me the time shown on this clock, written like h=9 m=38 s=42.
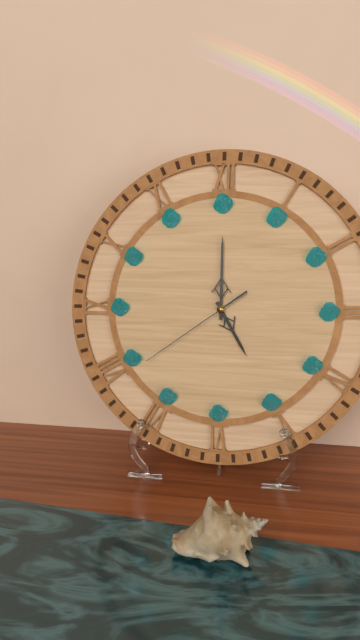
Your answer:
h=5 m=0 s=39
